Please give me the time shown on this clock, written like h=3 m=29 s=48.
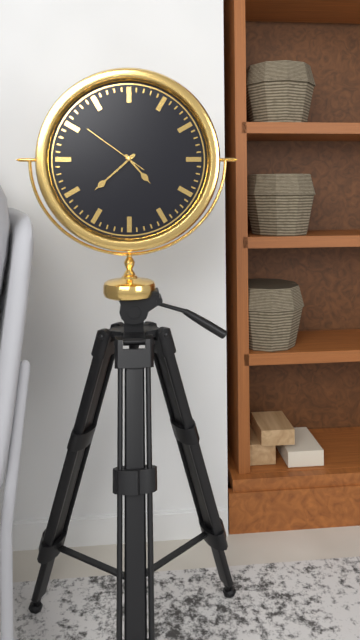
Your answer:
h=4 m=38 s=51
